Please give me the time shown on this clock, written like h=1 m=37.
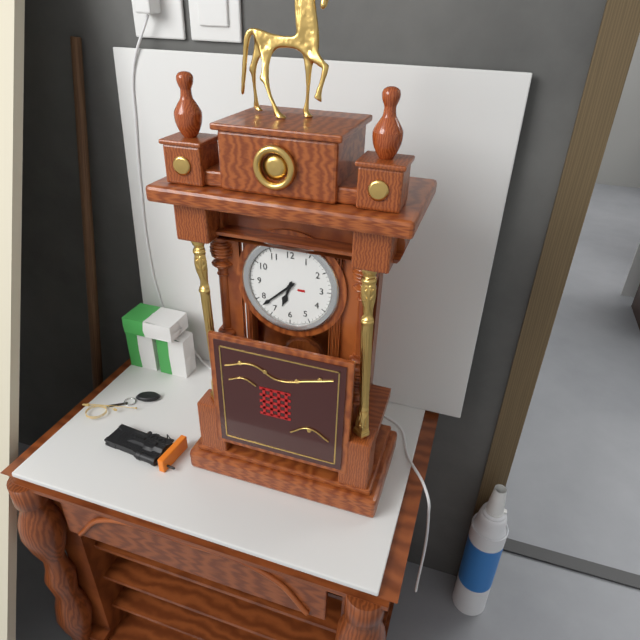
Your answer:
h=6 m=38
